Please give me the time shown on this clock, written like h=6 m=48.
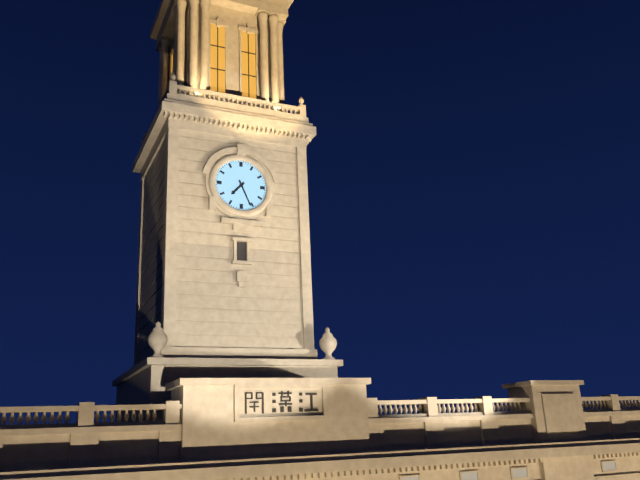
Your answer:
h=7 m=26
